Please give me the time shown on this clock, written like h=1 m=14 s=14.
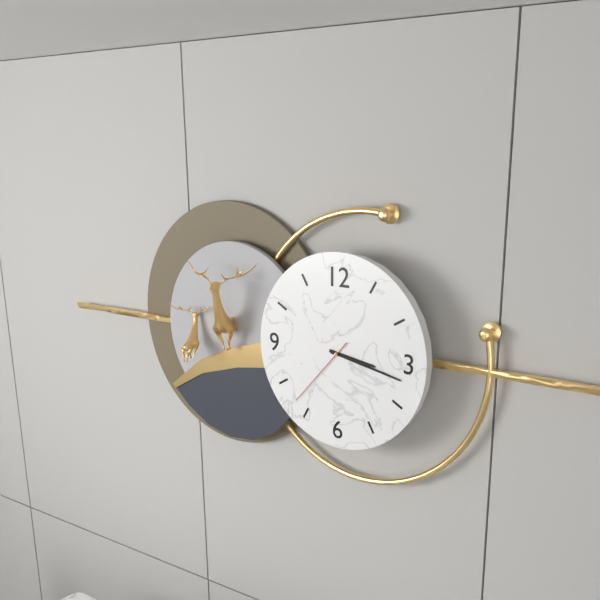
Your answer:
h=3 m=17 s=37
